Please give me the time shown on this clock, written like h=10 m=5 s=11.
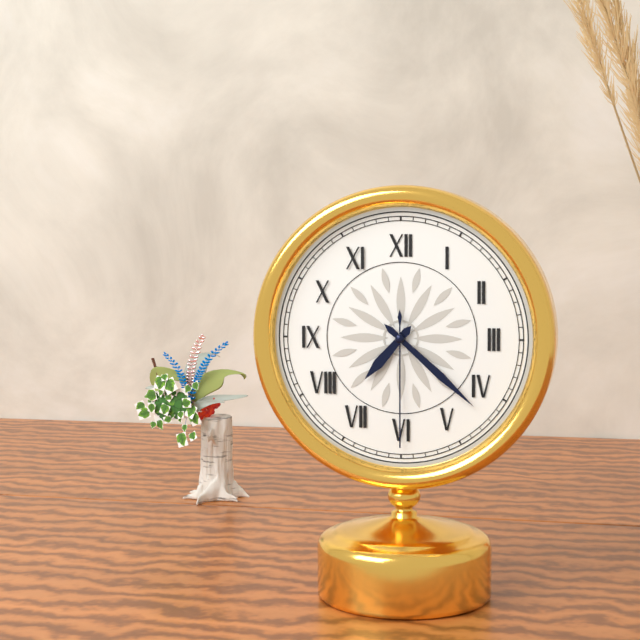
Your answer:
h=7 m=22 s=30
